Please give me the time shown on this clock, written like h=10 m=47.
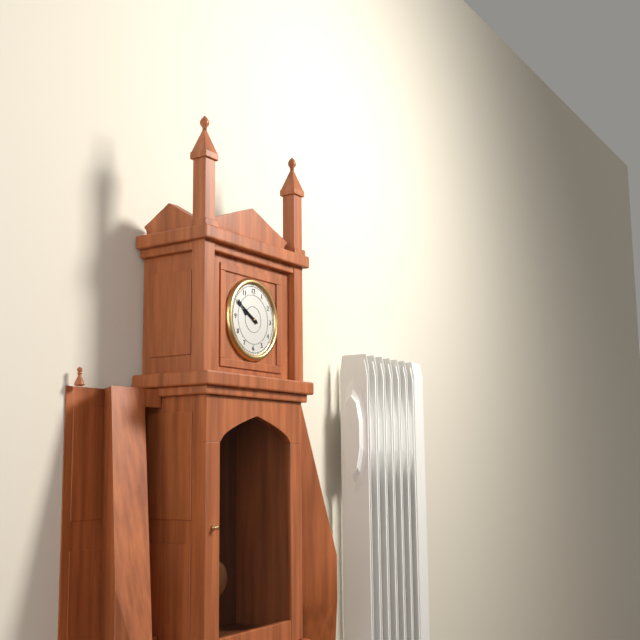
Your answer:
h=9 m=50
